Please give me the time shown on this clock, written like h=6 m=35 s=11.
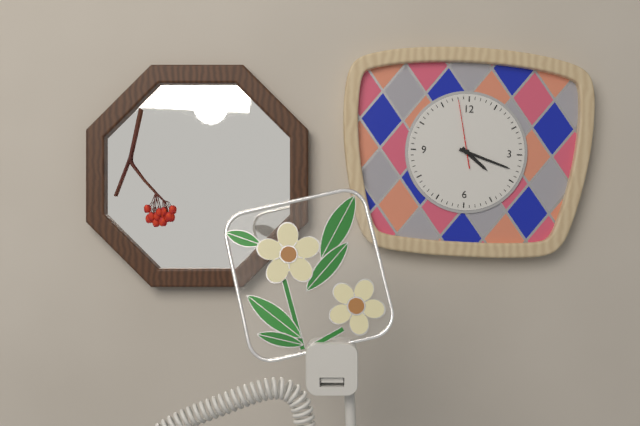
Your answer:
h=4 m=18 s=58
